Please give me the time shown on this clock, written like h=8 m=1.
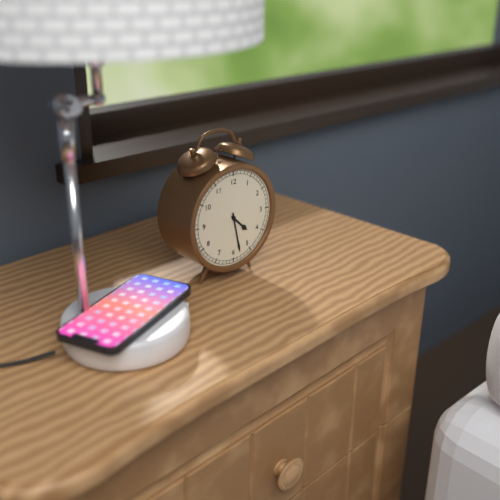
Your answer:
h=4 m=28
